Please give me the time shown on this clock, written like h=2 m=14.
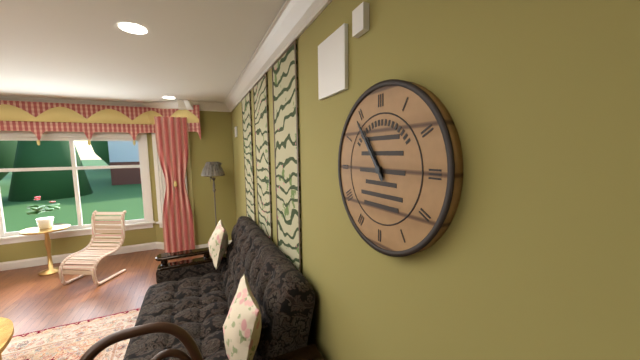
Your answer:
h=10 m=54
